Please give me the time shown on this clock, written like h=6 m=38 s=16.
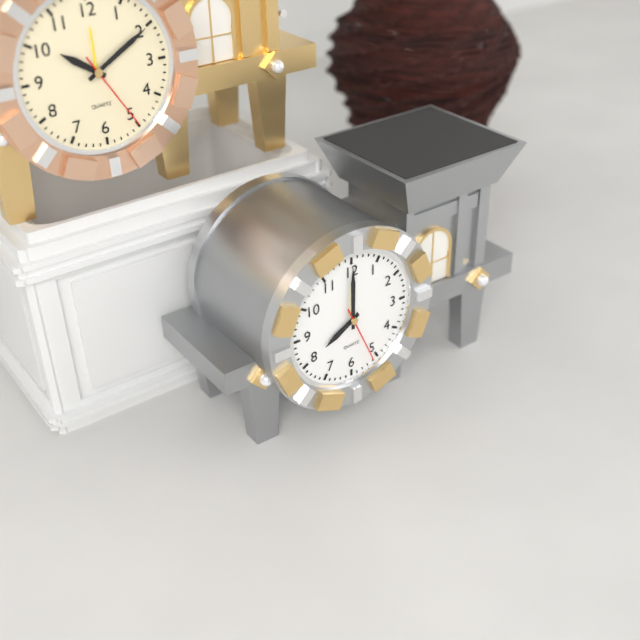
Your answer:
h=8 m=0 s=26
